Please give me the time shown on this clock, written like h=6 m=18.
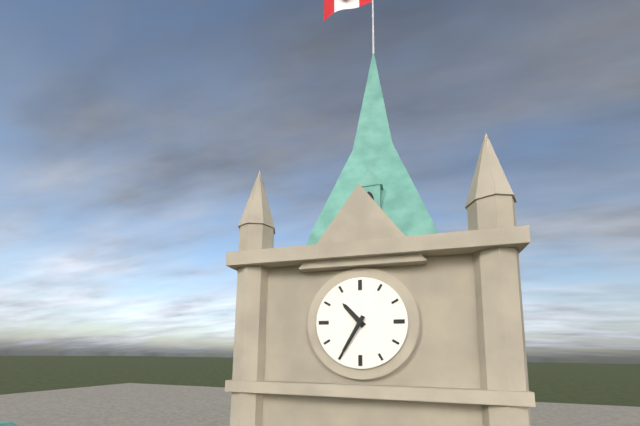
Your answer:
h=10 m=35
